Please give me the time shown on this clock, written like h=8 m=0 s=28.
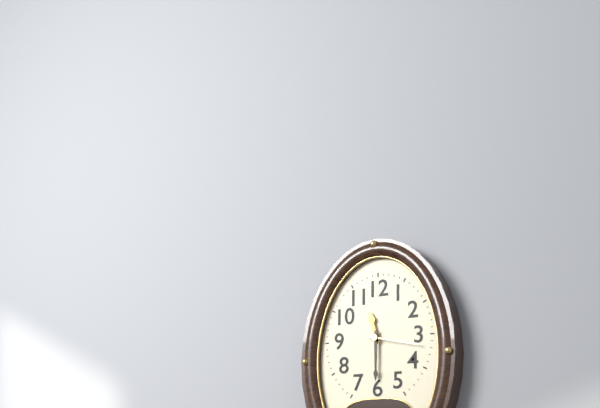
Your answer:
h=11 m=30 s=17
